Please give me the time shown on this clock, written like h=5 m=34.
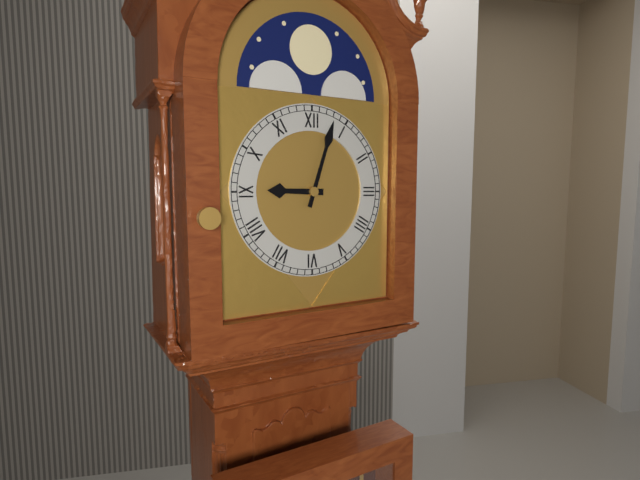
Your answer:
h=9 m=3
